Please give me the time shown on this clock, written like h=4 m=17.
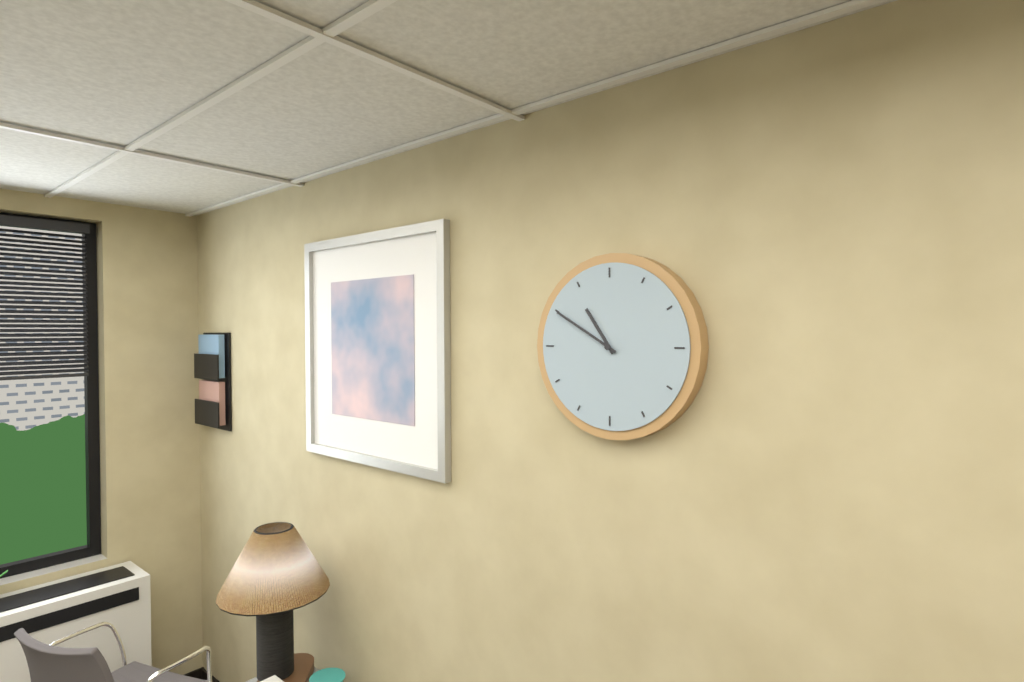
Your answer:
h=10 m=50
